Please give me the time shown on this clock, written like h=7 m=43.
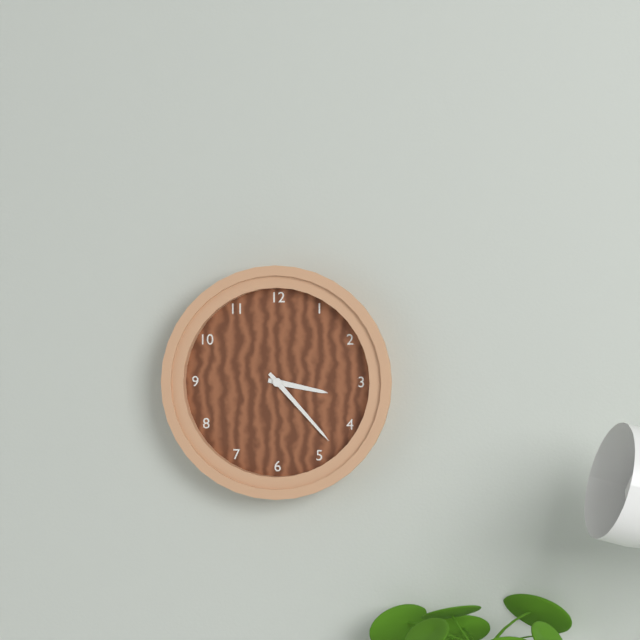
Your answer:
h=3 m=23
